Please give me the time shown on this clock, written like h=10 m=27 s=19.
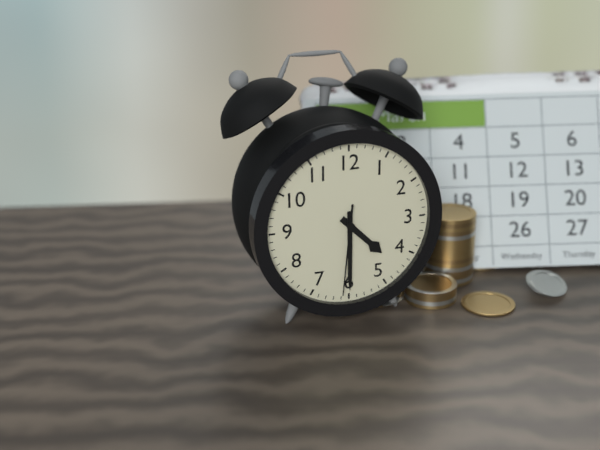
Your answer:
h=4 m=30 s=31
